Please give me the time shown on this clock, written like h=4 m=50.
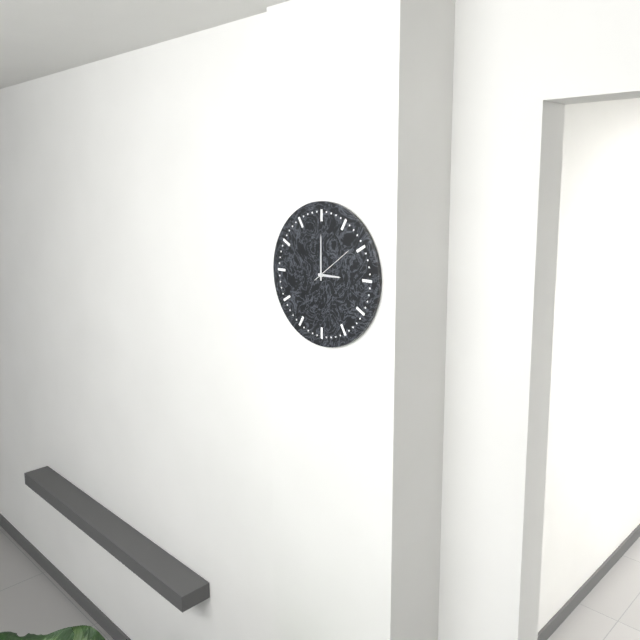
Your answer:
h=3 m=0
